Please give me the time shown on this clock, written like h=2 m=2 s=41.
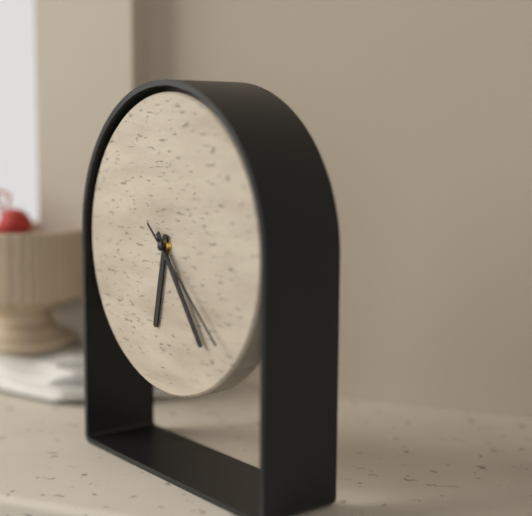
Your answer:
h=6 m=24 s=22
